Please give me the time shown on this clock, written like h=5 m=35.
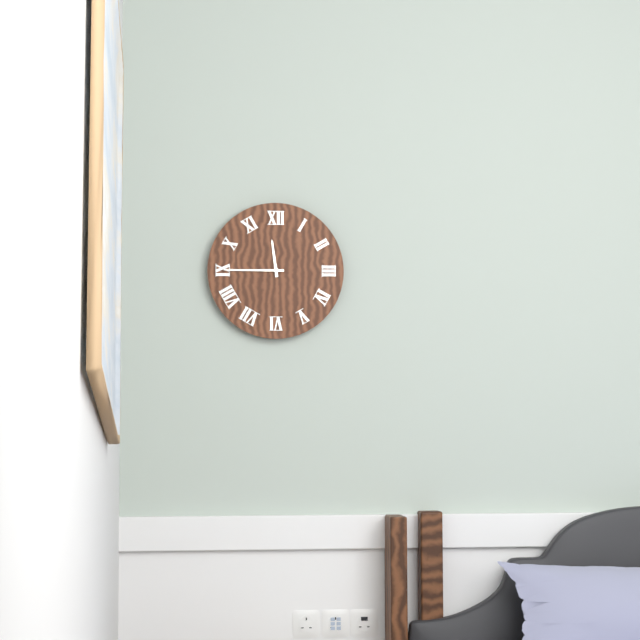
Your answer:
h=11 m=45
